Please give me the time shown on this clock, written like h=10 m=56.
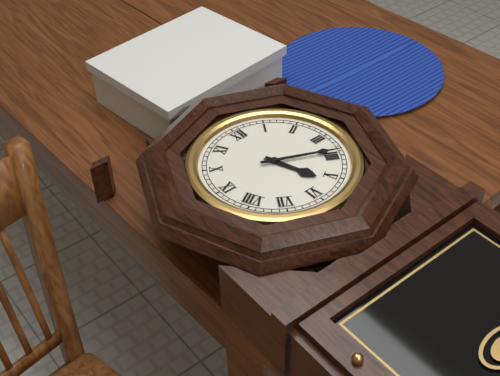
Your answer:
h=5 m=19
